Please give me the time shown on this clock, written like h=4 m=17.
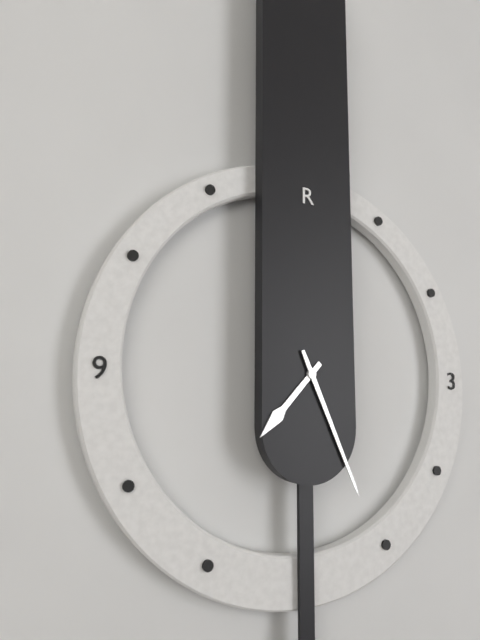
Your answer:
h=7 m=26
